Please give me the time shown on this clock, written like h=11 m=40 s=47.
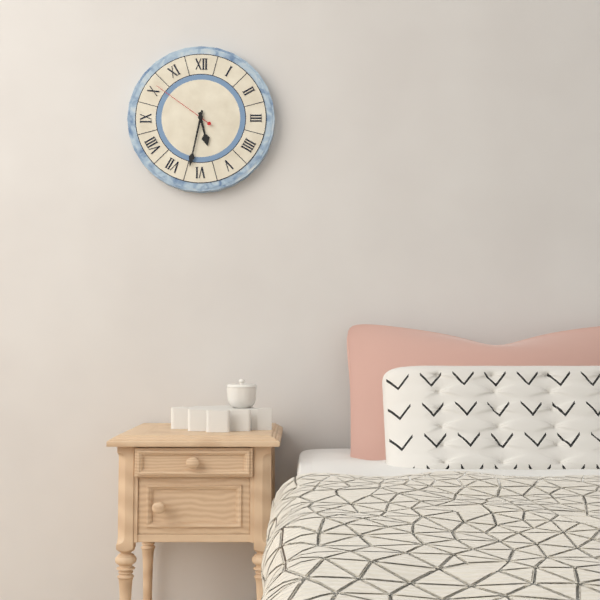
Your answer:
h=5 m=32 s=51
